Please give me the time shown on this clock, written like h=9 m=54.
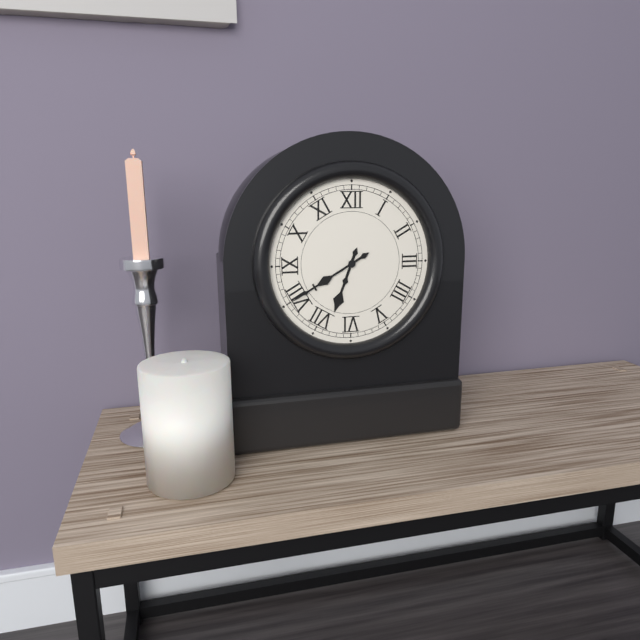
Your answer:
h=6 m=40
